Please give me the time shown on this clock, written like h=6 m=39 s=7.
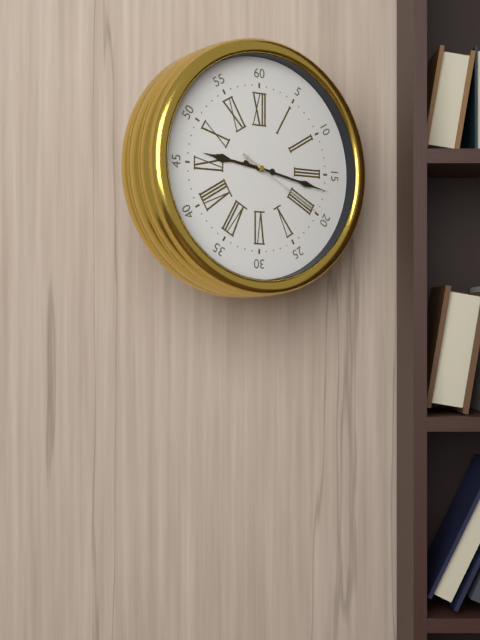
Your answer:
h=9 m=17 s=20
